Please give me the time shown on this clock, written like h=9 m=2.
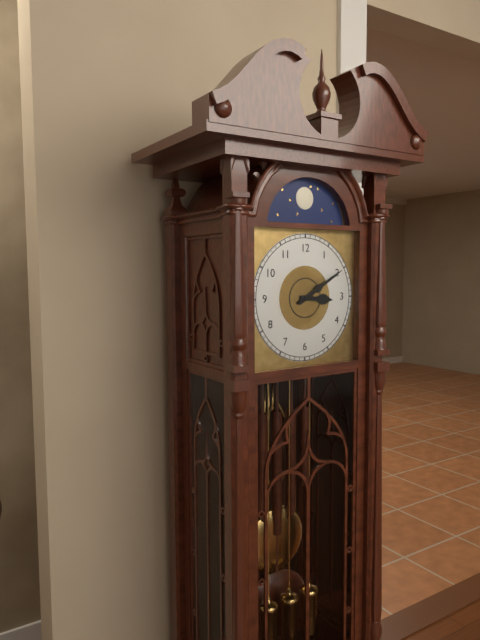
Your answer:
h=3 m=10
